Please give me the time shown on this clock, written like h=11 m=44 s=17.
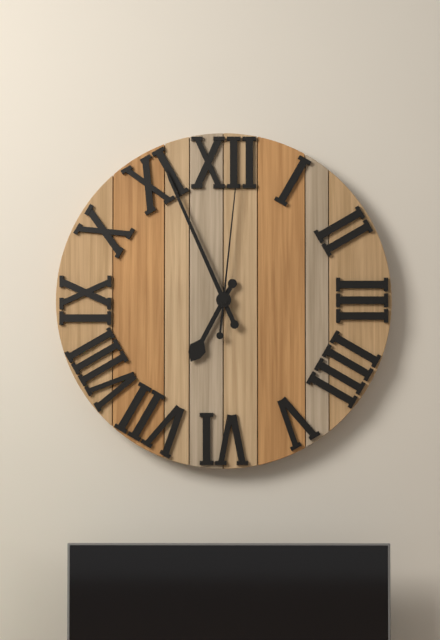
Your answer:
h=6 m=56 s=1
